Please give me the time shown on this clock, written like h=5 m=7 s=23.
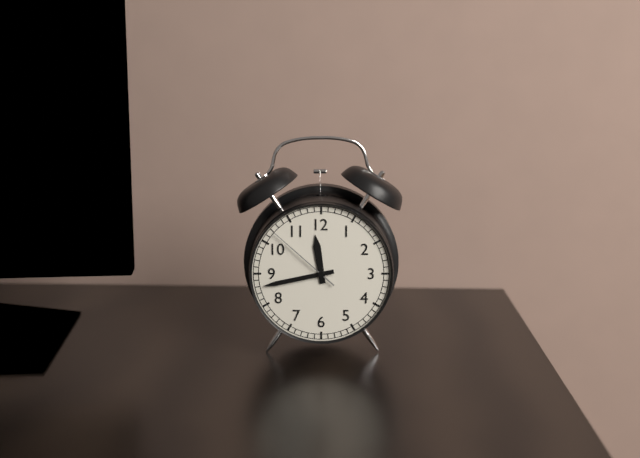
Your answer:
h=11 m=43 s=52
